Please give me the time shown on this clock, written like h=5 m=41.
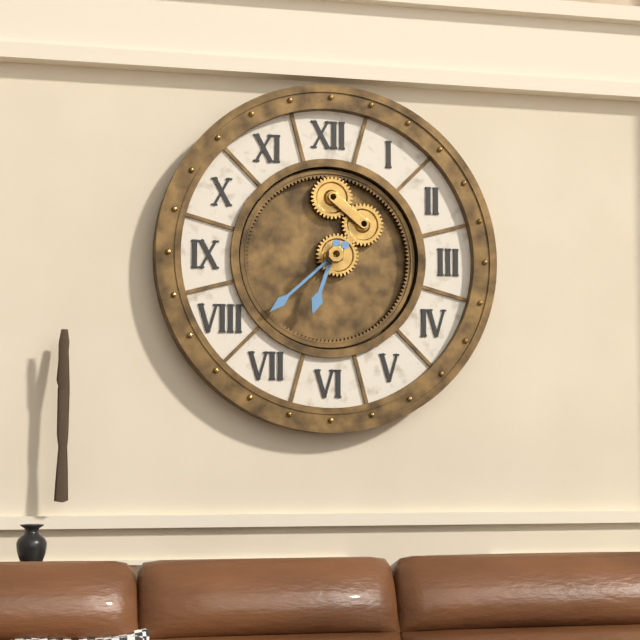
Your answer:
h=6 m=38
